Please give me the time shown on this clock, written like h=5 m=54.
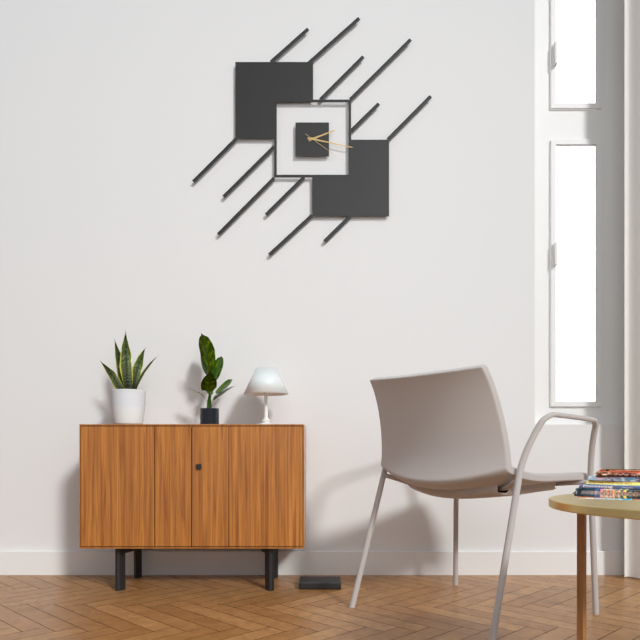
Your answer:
h=2 m=17
